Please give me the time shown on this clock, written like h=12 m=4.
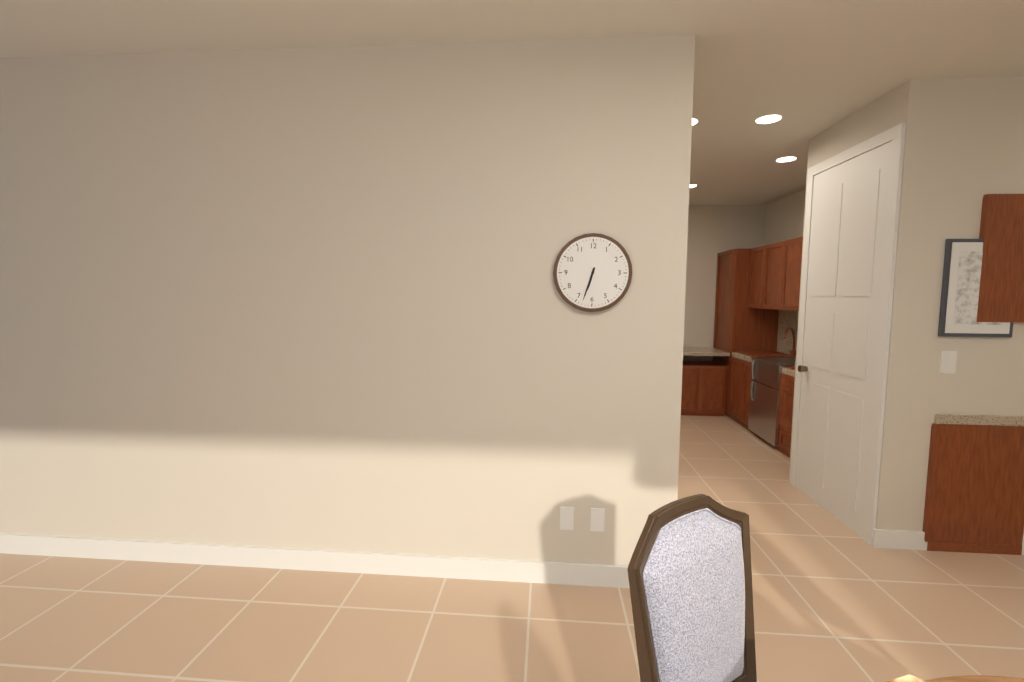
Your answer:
h=6 m=33
